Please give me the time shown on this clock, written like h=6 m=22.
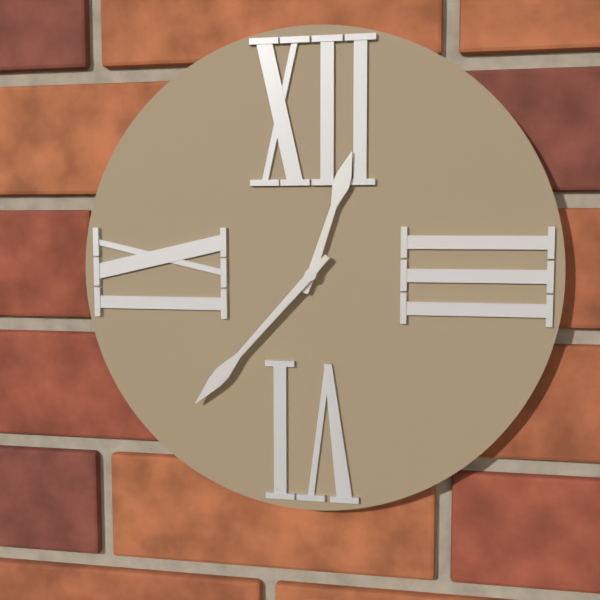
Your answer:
h=12 m=37
